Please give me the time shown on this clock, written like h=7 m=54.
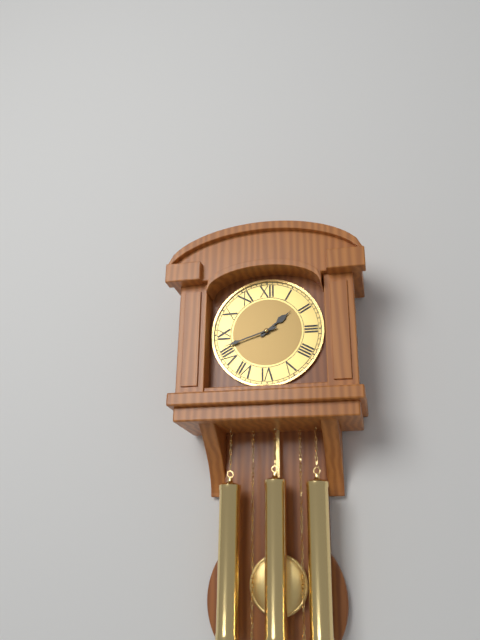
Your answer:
h=1 m=42
